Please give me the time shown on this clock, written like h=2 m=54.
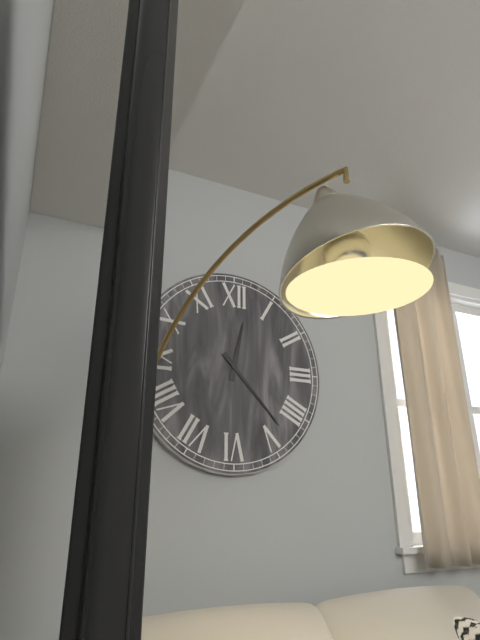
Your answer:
h=12 m=23
